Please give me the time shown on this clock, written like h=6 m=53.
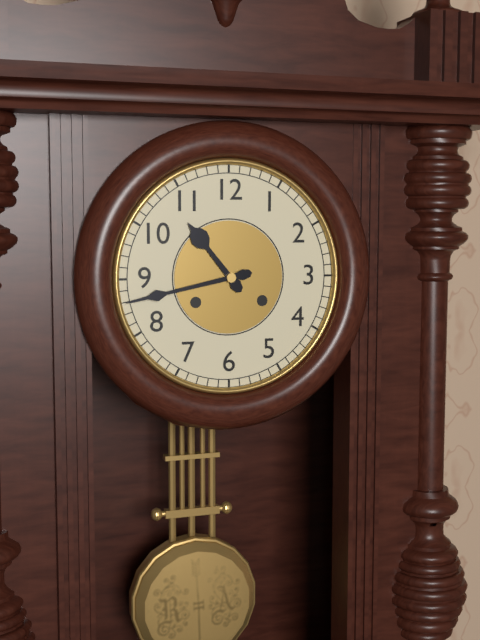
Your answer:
h=10 m=43
